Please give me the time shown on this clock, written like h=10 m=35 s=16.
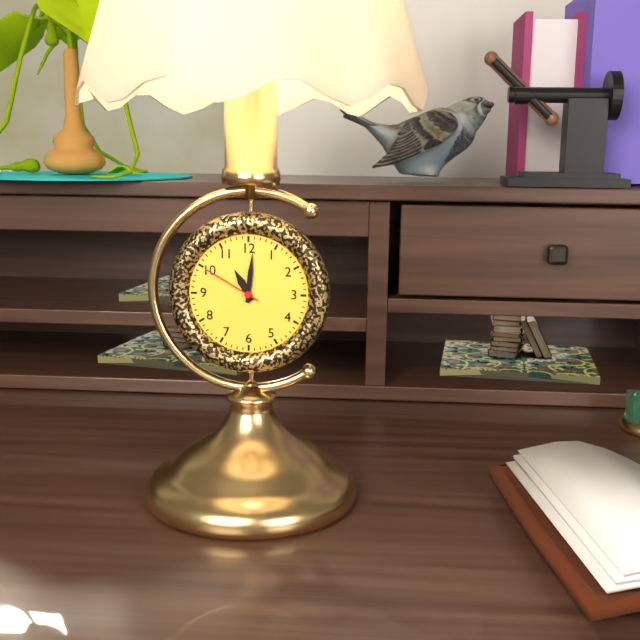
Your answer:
h=11 m=1 s=50
